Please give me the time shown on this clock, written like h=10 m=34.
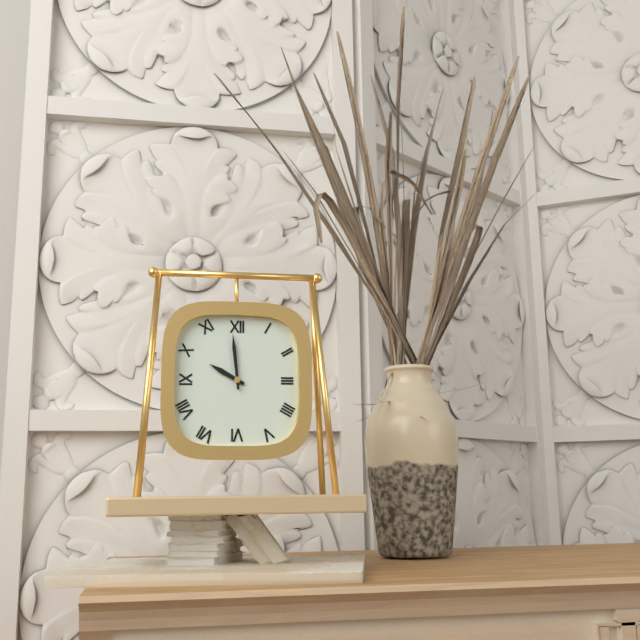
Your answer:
h=9 m=59
